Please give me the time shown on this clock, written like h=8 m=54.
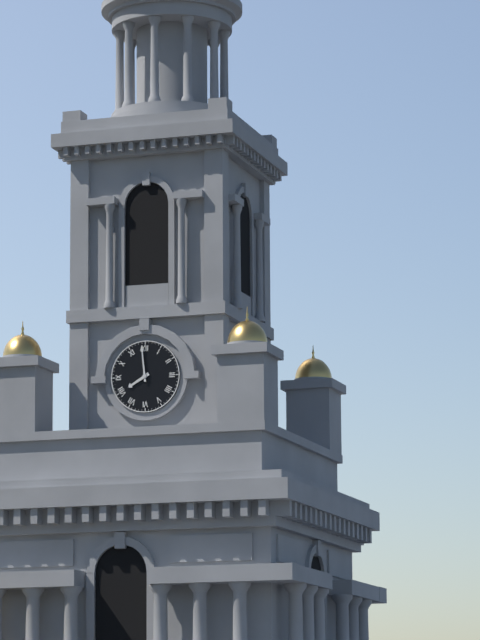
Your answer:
h=7 m=59
